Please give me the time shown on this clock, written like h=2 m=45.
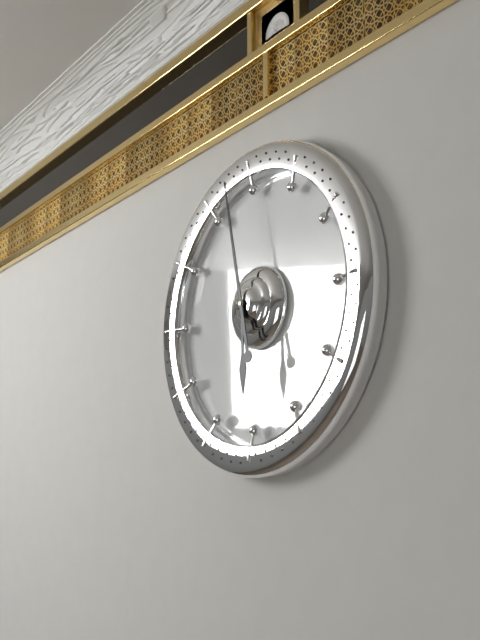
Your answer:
h=5 m=58
